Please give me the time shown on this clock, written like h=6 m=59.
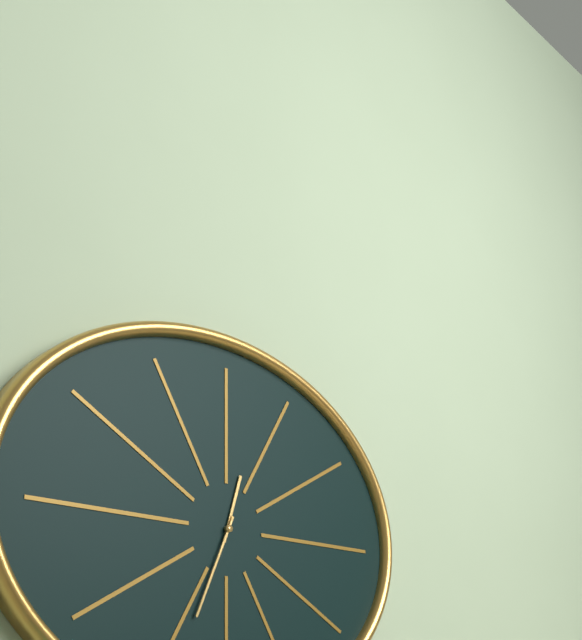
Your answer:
h=12 m=34
